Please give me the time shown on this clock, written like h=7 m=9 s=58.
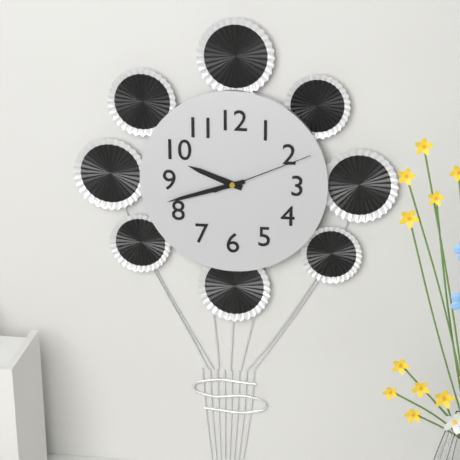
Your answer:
h=9 m=42 s=11
